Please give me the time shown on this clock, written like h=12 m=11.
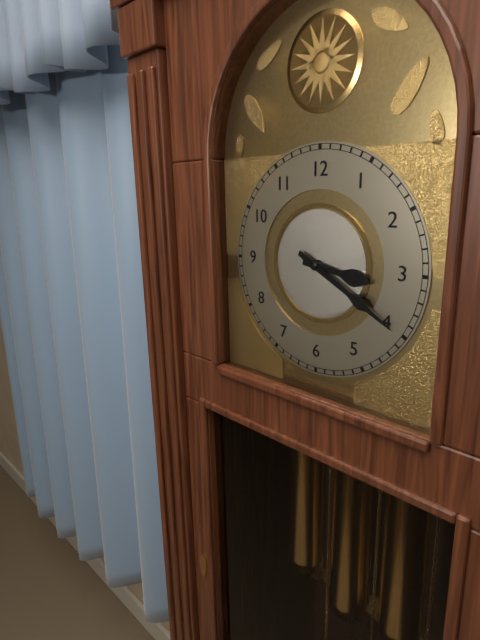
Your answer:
h=3 m=20
